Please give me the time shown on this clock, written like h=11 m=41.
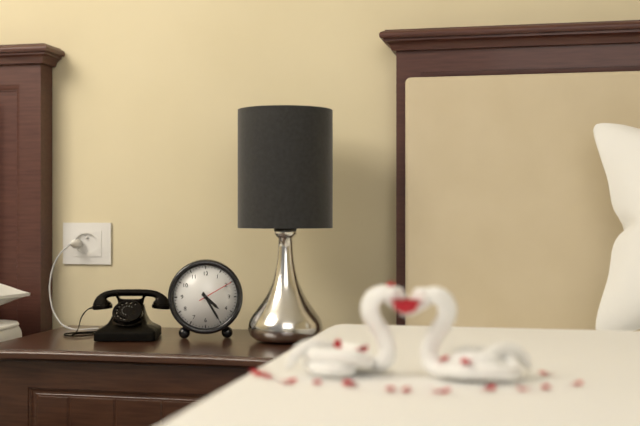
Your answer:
h=4 m=25
